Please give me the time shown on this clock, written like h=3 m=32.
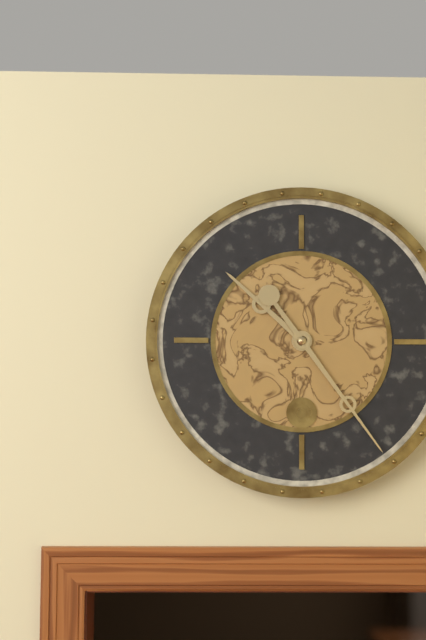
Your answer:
h=10 m=24
